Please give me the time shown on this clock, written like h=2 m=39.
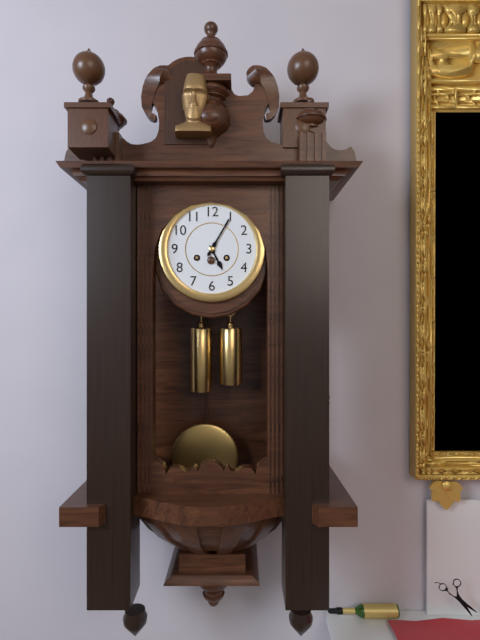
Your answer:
h=5 m=5
